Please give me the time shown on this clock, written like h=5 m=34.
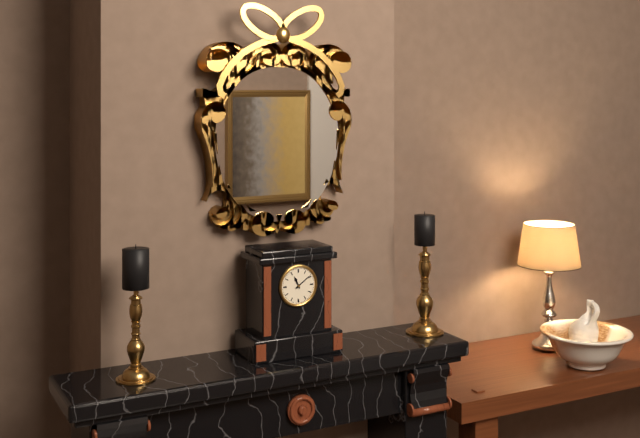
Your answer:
h=11 m=9
